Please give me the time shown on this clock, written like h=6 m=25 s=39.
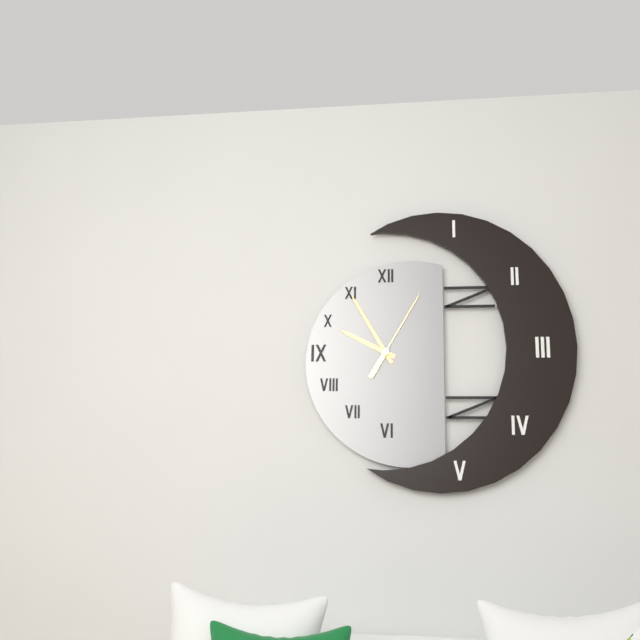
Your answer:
h=9 m=55 s=5
